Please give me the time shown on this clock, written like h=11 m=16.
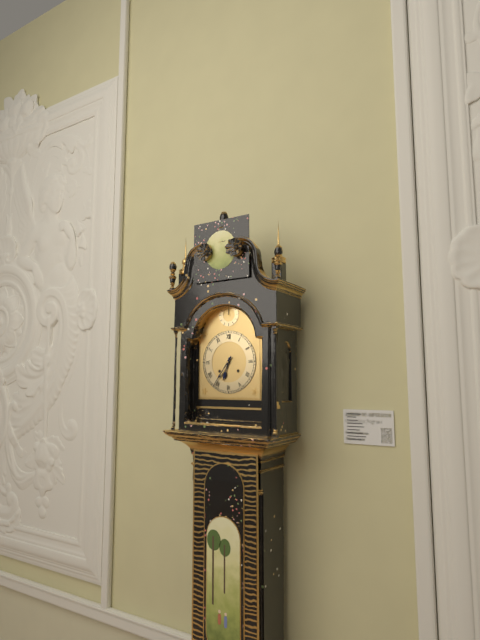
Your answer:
h=6 m=36
